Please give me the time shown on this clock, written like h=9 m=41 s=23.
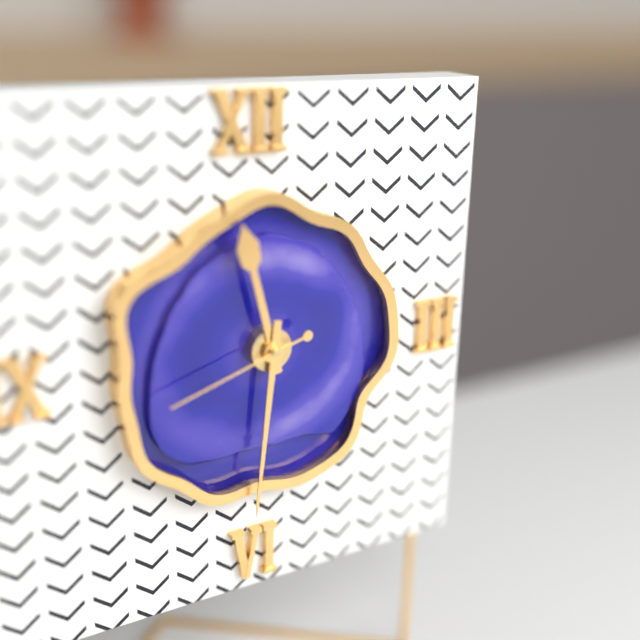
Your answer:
h=11 m=31 s=42
